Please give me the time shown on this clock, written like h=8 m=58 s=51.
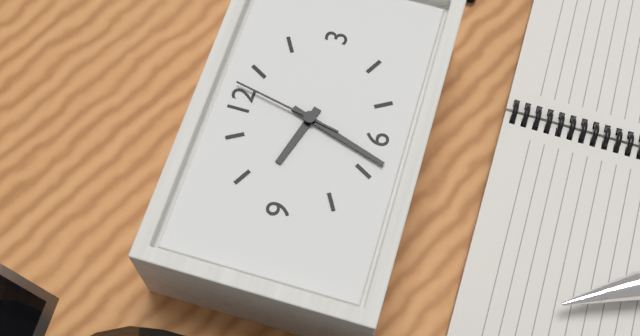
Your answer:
h=9 m=33 s=2
